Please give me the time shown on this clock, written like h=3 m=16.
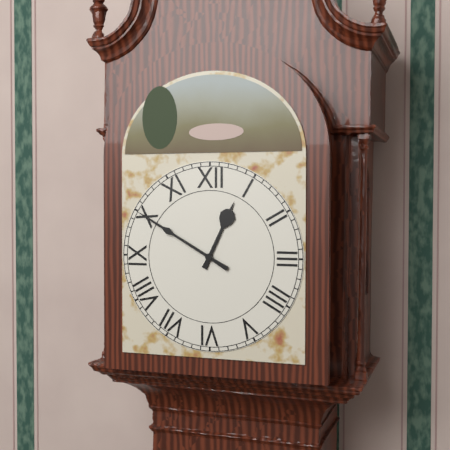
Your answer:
h=12 m=50
